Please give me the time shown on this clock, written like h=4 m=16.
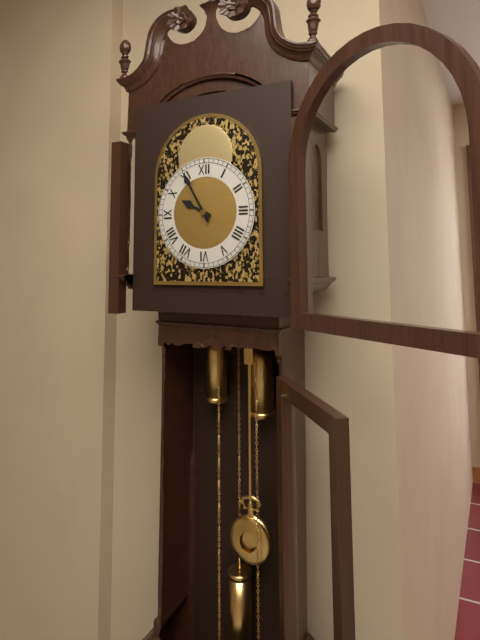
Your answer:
h=9 m=55
